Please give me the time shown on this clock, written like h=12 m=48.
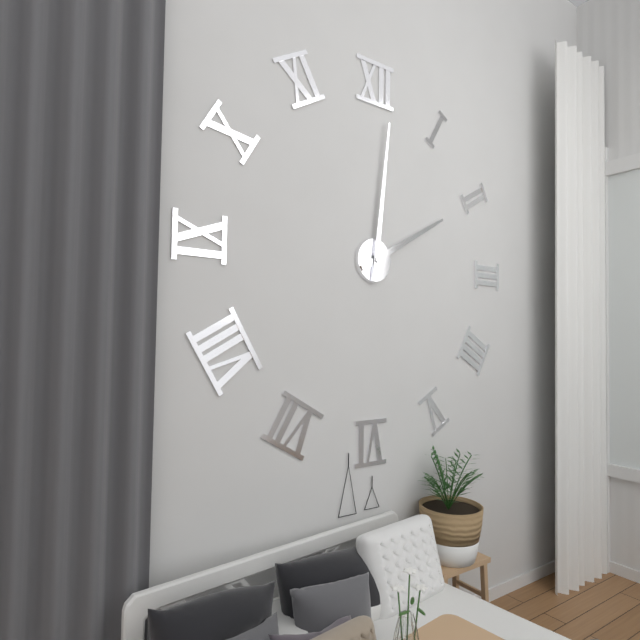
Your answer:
h=2 m=1
